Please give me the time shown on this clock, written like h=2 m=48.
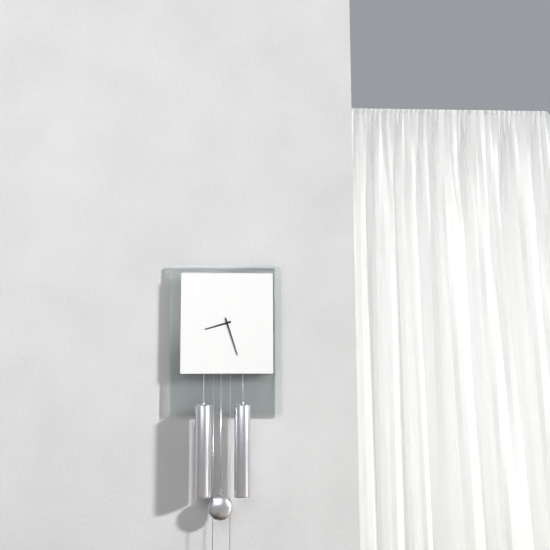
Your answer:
h=8 m=27
